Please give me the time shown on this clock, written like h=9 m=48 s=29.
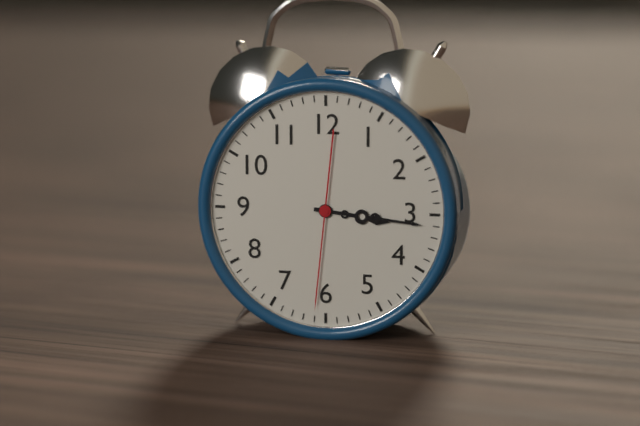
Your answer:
h=3 m=16 s=31
